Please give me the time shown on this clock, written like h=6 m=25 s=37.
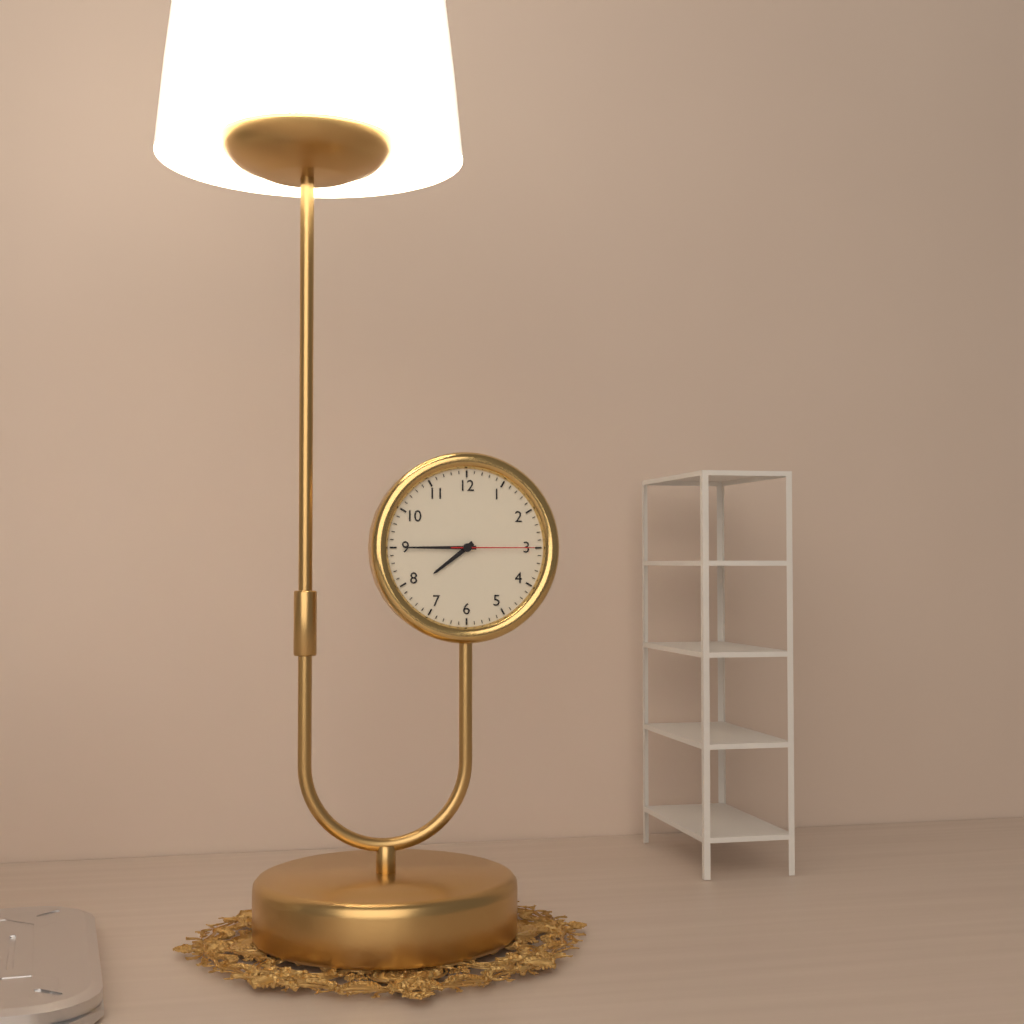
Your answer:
h=7 m=45 s=15
